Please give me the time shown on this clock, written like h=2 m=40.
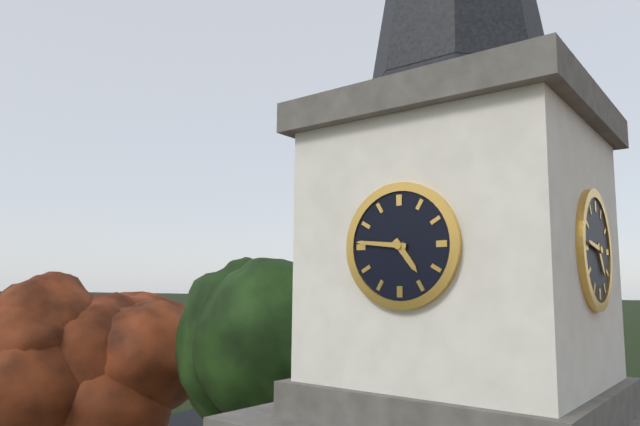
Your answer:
h=4 m=46
